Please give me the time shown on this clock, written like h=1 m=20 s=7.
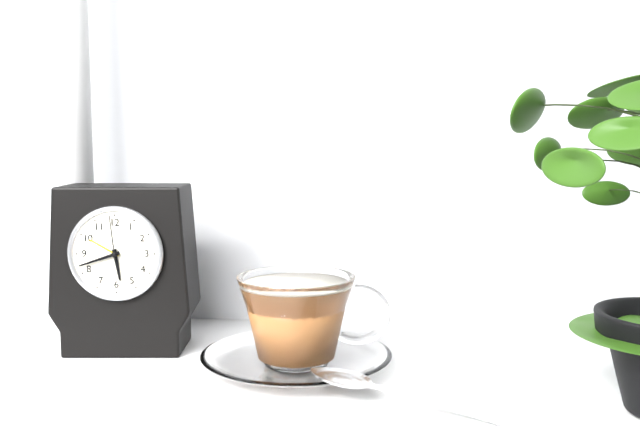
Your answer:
h=5 m=42 s=59
